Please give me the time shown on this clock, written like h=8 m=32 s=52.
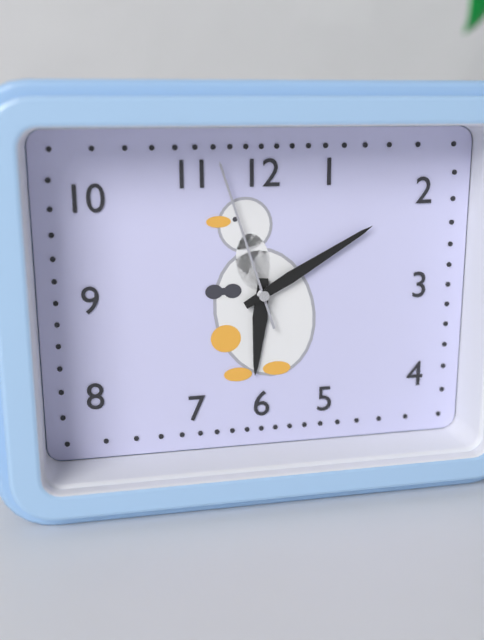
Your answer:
h=6 m=10 s=57
